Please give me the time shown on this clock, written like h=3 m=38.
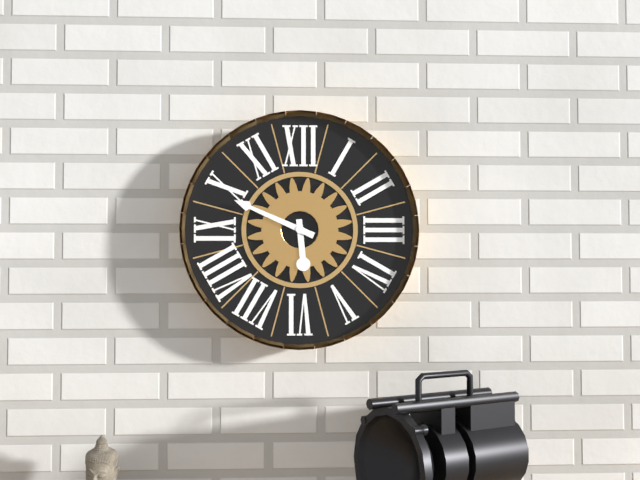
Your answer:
h=5 m=49
